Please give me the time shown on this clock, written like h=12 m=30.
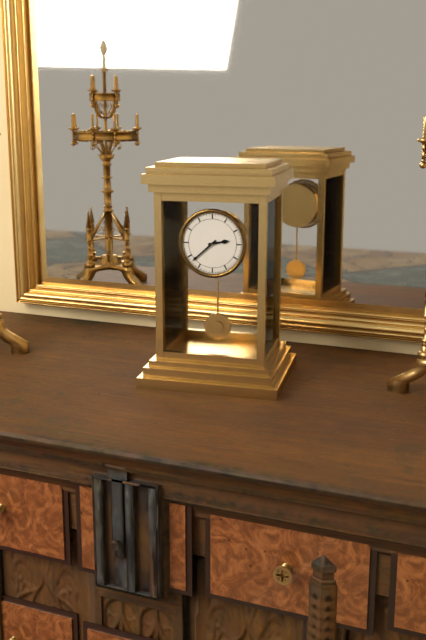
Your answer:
h=2 m=38
